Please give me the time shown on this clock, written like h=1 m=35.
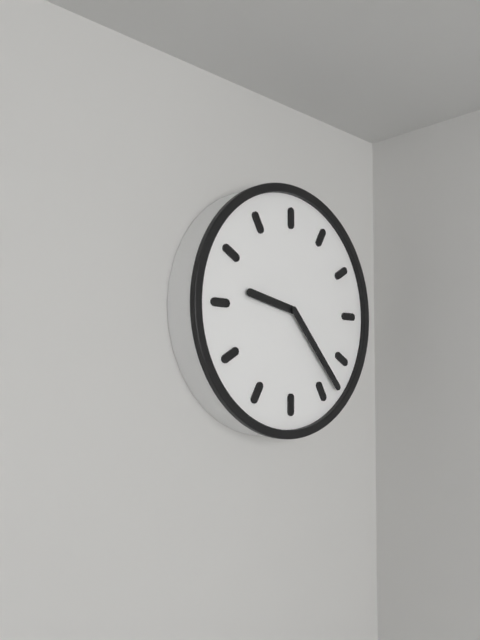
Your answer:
h=9 m=23
